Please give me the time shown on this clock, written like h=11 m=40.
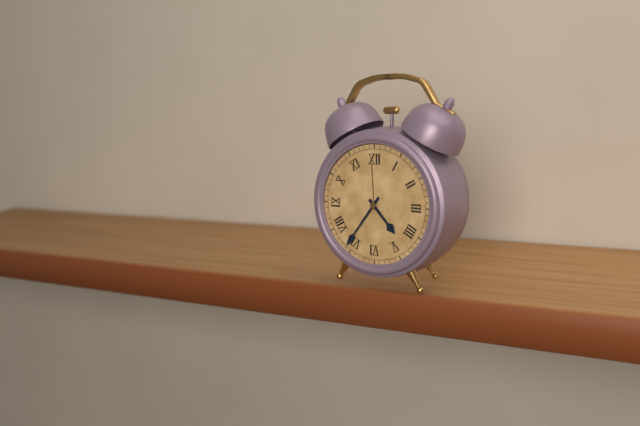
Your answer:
h=4 m=36
